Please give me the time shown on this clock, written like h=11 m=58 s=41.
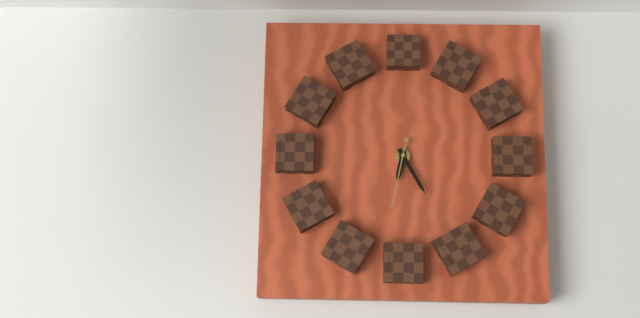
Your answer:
h=6 m=25 s=32
